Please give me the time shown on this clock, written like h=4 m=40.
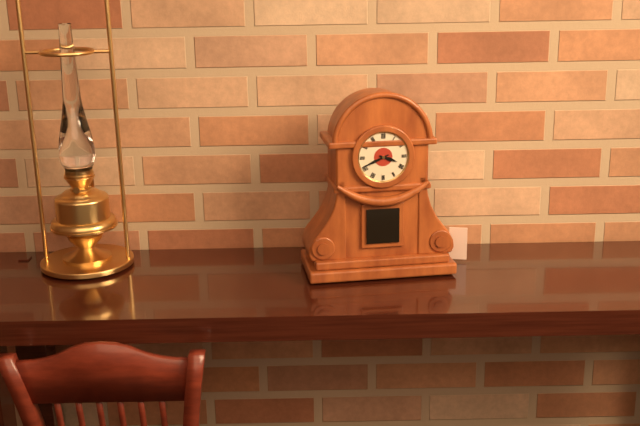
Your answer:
h=3 m=41
